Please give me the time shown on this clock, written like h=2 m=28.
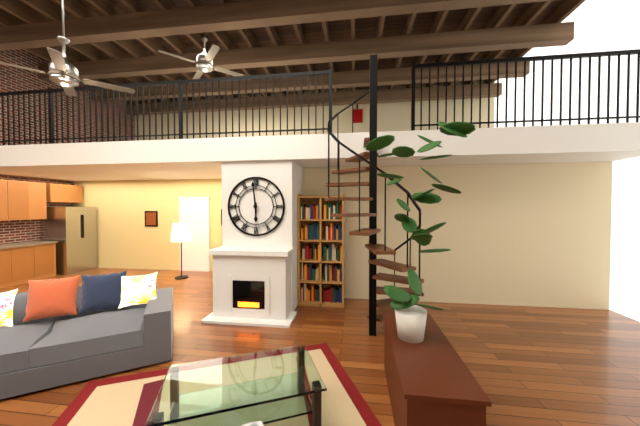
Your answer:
h=5 m=59
